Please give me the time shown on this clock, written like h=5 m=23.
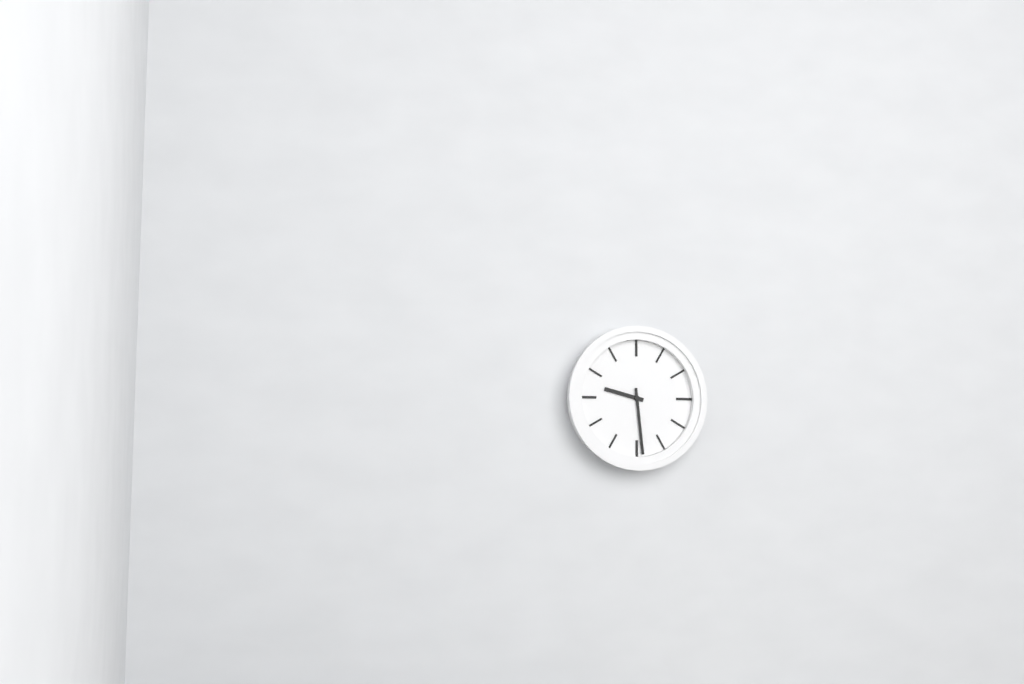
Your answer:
h=9 m=29
